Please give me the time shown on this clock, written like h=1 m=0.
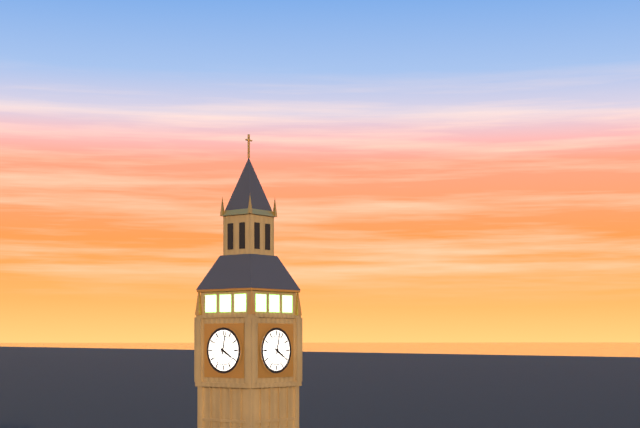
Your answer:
h=4 m=2
